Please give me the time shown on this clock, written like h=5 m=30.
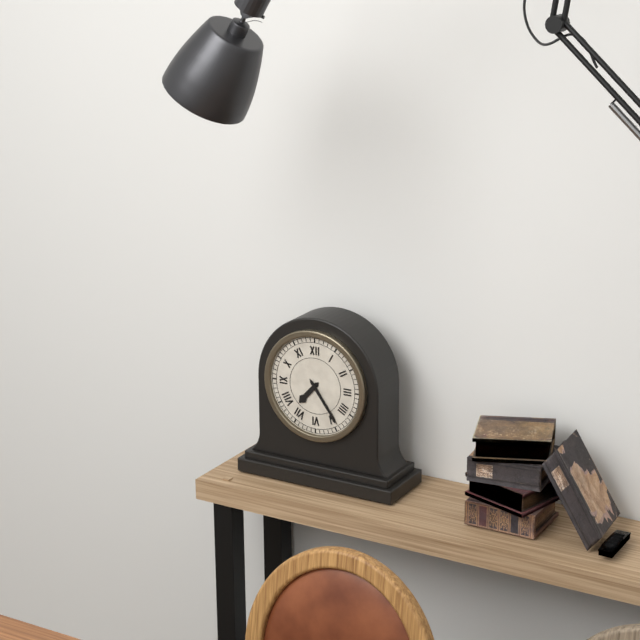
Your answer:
h=7 m=24
